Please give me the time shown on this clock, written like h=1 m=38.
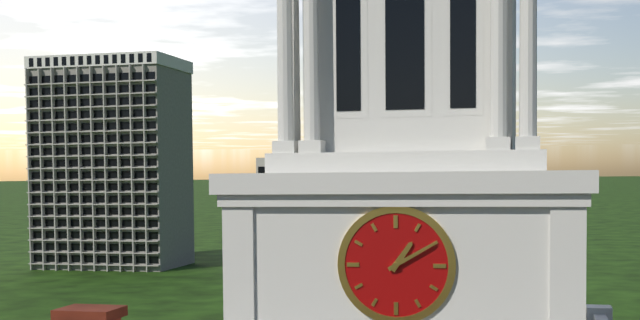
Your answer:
h=1 m=10
